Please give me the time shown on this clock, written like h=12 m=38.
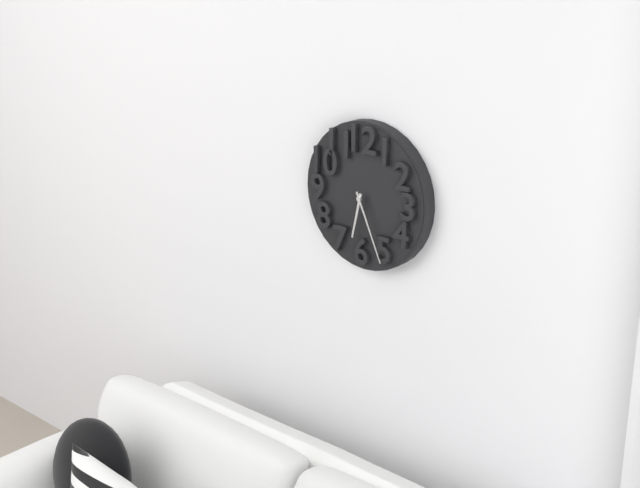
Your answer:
h=6 m=26
